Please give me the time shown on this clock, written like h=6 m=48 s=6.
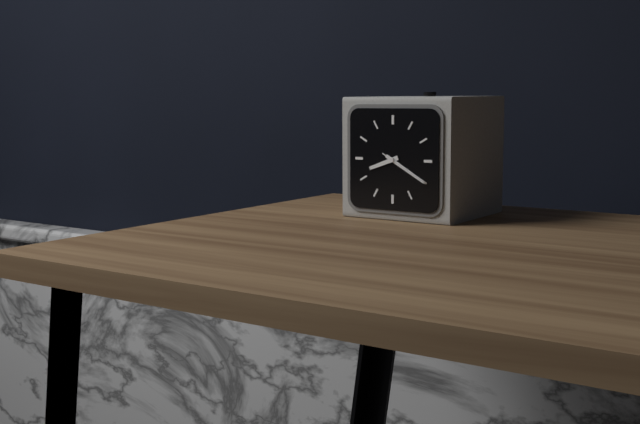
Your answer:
h=8 m=20 s=20
